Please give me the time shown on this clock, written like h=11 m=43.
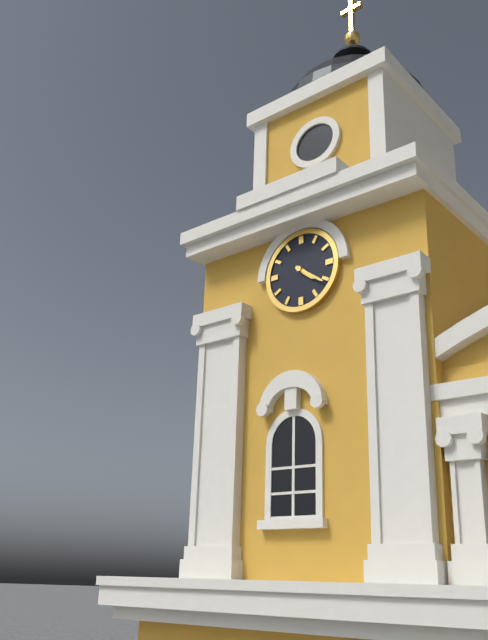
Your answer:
h=4 m=21
